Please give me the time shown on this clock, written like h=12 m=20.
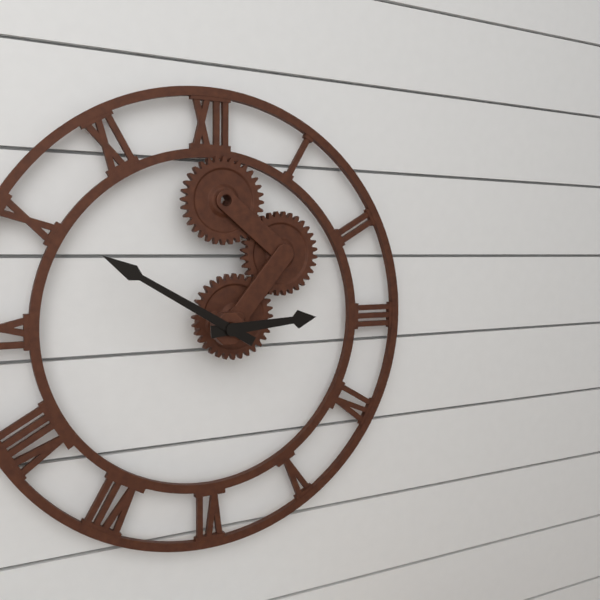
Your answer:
h=2 m=50
